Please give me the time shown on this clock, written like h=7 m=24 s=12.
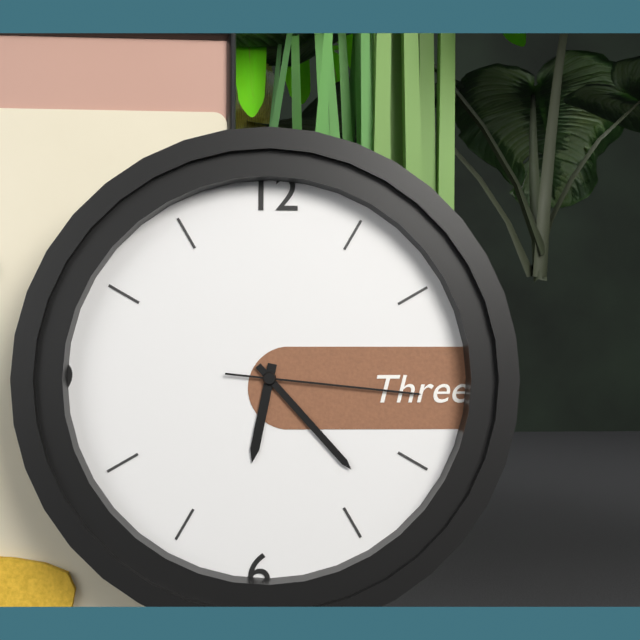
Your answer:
h=6 m=23 s=16
